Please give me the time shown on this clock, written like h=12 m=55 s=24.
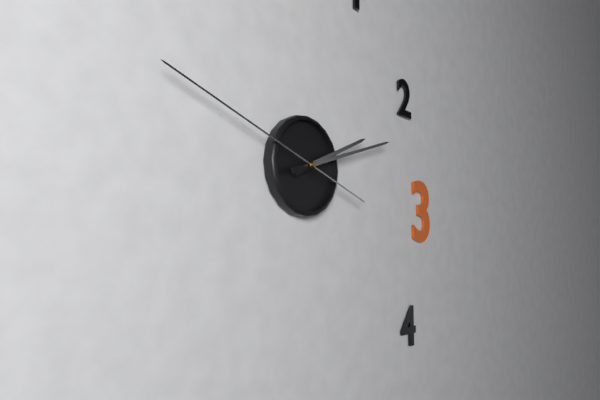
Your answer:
h=2 m=12 s=48
